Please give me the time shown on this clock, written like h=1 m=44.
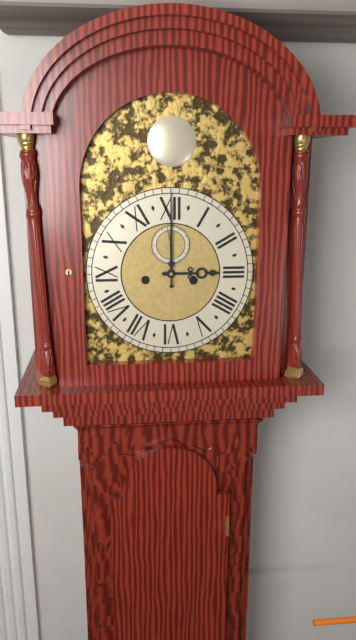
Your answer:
h=3 m=0
